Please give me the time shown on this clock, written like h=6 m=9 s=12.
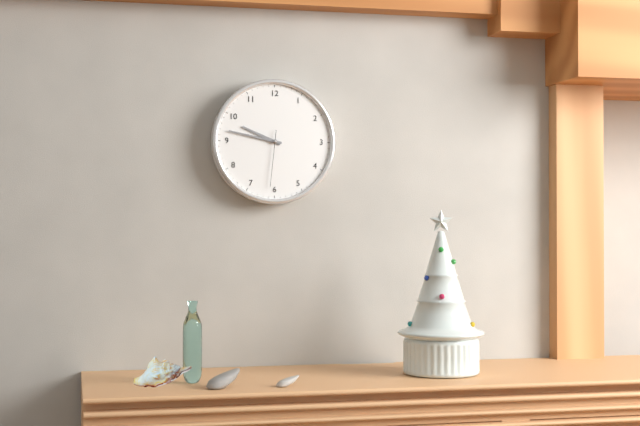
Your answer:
h=9 m=47 s=31
